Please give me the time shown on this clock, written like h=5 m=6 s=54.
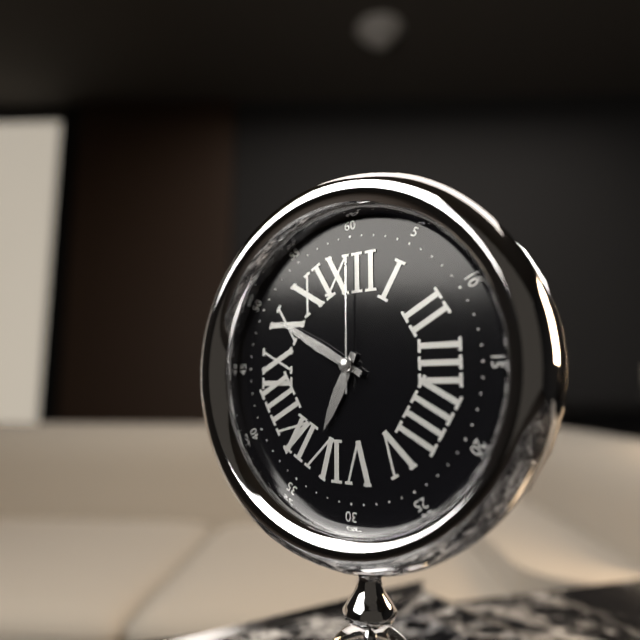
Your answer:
h=6 m=50 s=0
